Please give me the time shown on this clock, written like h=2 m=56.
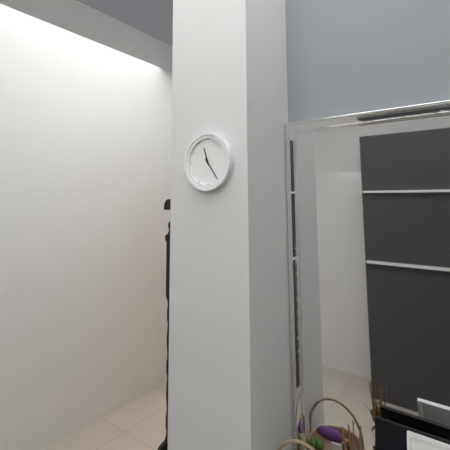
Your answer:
h=11 m=24
